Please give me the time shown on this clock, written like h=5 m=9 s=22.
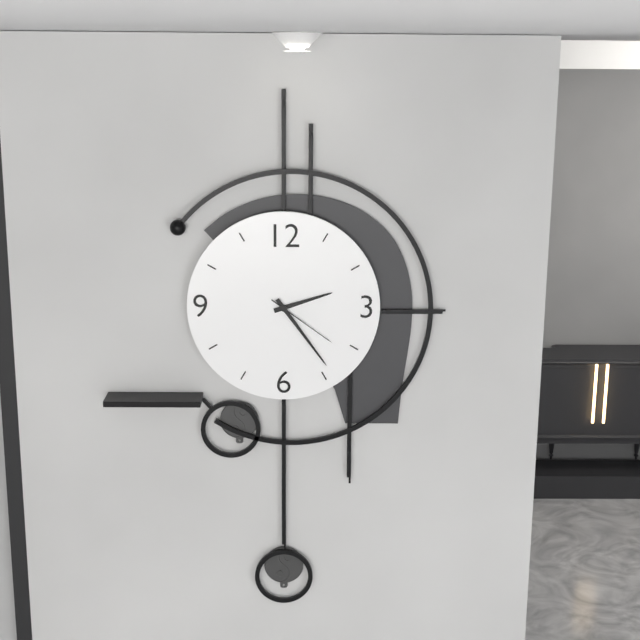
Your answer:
h=2 m=24 s=21
